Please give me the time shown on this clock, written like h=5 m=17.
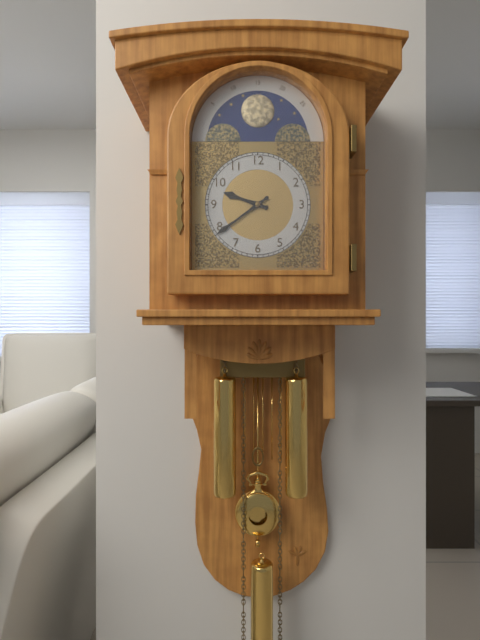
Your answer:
h=9 m=39
